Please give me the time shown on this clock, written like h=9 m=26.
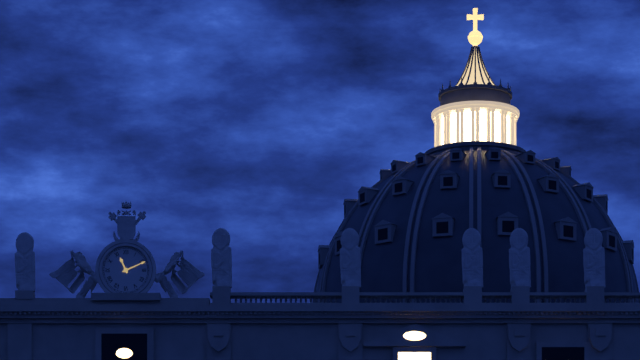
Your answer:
h=11 m=11
